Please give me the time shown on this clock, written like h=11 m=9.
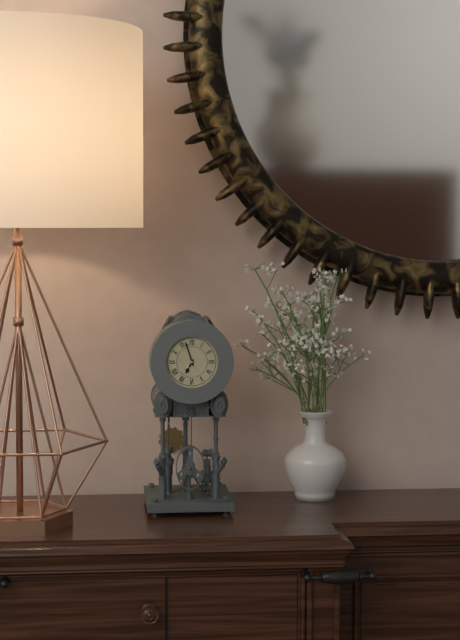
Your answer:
h=6 m=57
